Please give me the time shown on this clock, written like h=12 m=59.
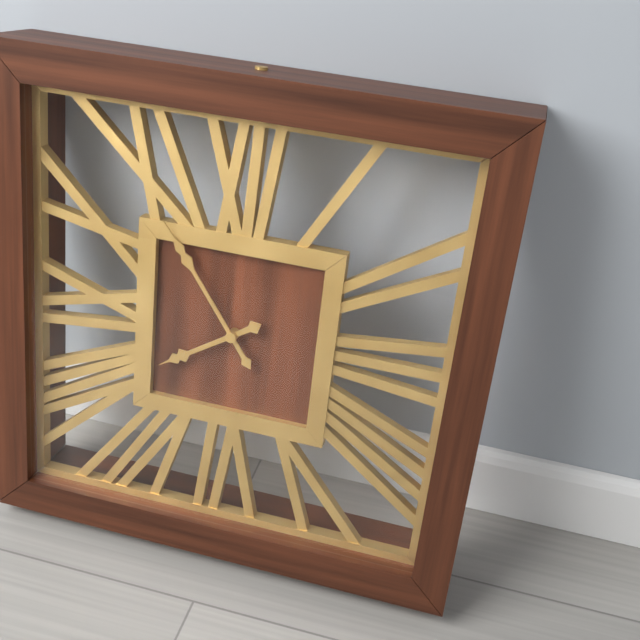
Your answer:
h=7 m=54
